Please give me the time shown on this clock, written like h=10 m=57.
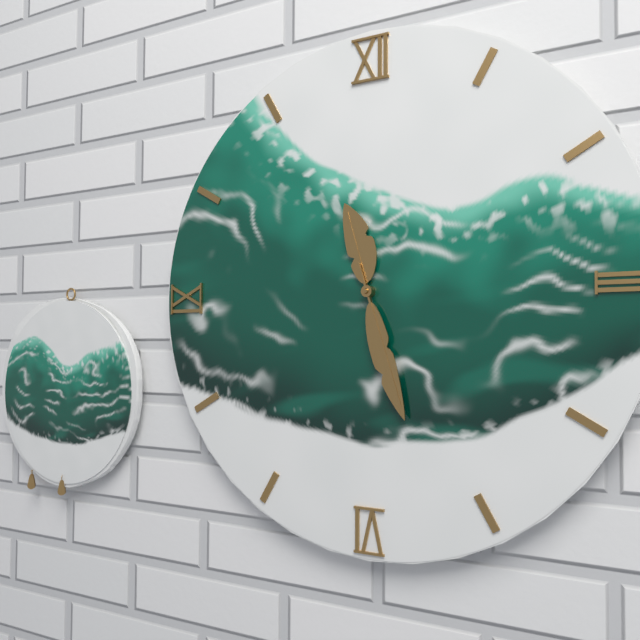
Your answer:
h=11 m=27
